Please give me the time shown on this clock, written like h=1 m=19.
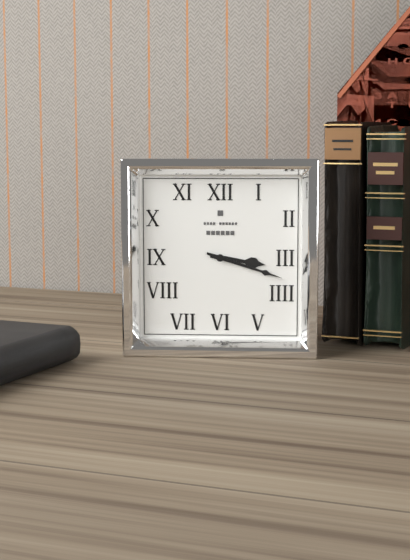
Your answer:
h=3 m=18
